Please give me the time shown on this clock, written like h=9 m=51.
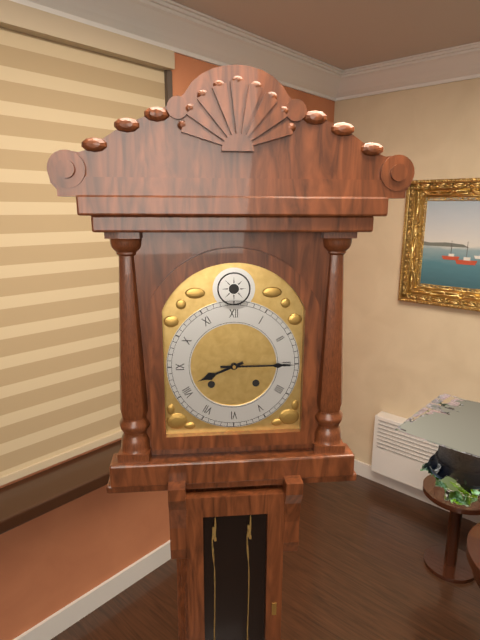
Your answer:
h=8 m=15
